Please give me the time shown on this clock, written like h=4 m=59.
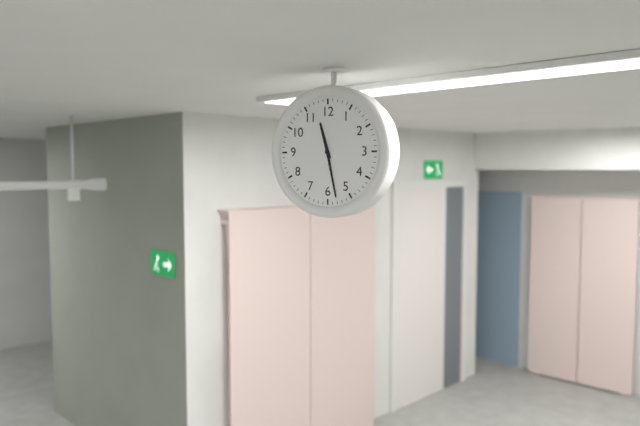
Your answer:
h=11 m=28
